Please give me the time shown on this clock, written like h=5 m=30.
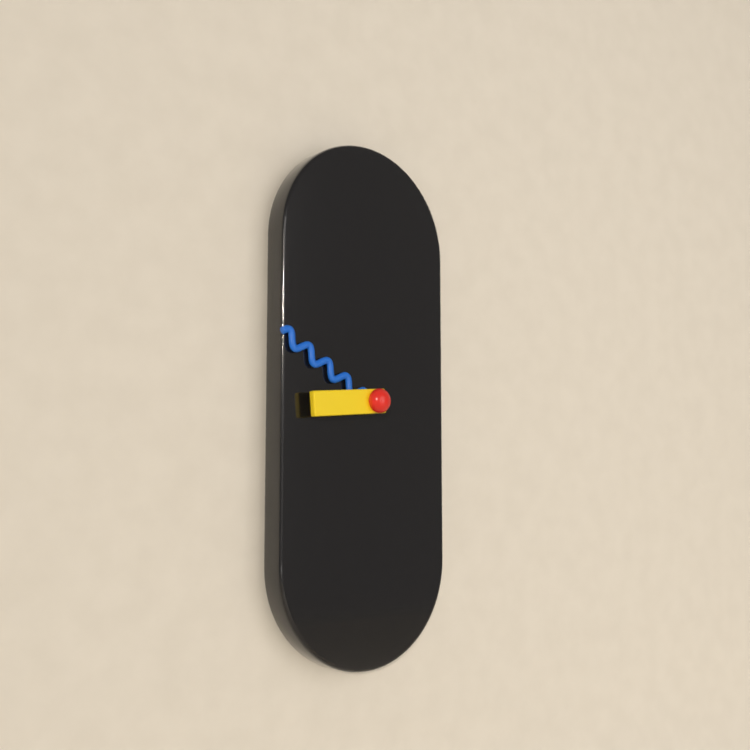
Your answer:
h=8 m=50
